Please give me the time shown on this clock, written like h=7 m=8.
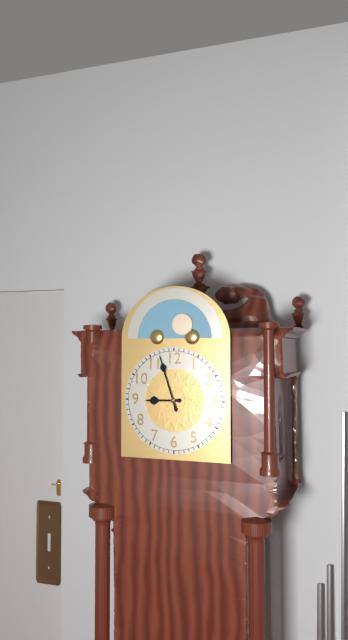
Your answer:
h=8 m=57
